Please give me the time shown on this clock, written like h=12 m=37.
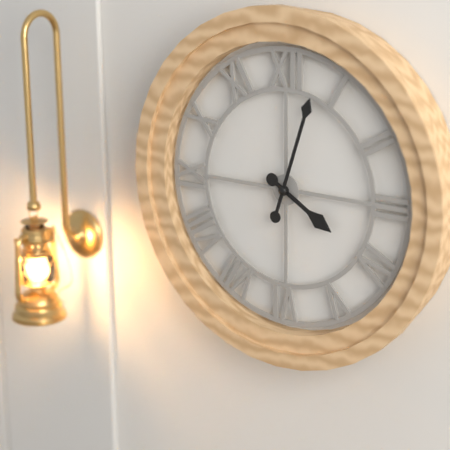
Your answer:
h=4 m=3
